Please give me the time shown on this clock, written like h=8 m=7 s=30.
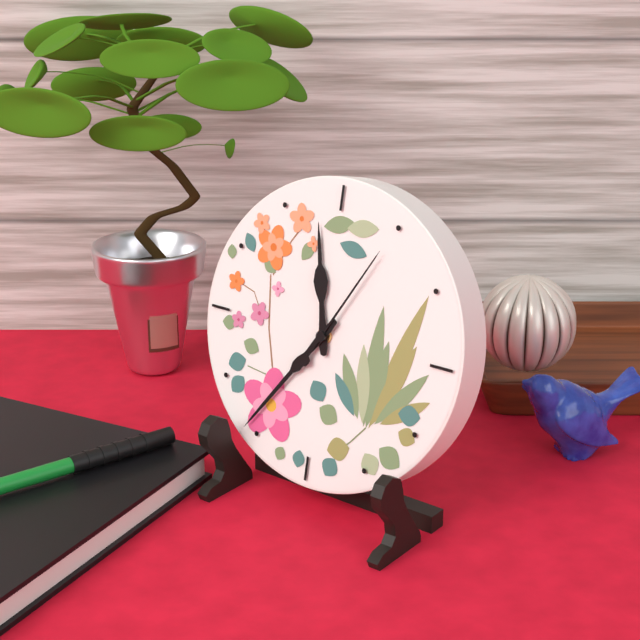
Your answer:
h=11 m=36 s=5
